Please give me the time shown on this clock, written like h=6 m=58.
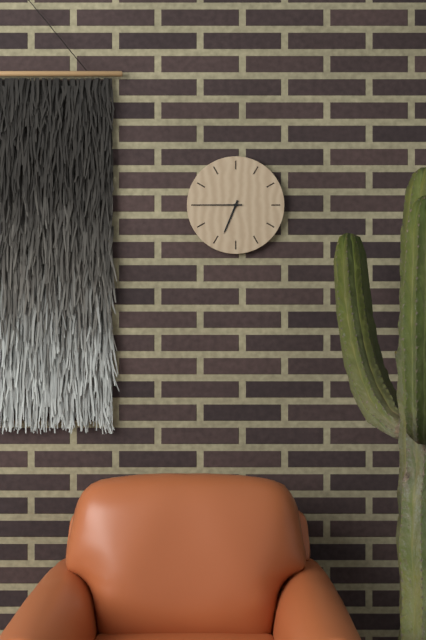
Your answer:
h=6 m=45
